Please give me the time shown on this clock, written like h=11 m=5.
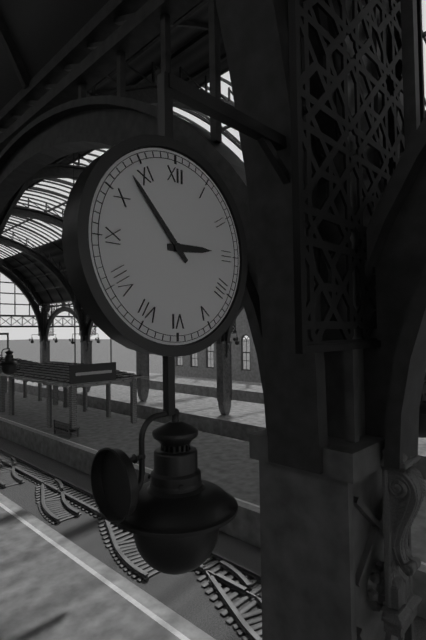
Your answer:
h=2 m=53
